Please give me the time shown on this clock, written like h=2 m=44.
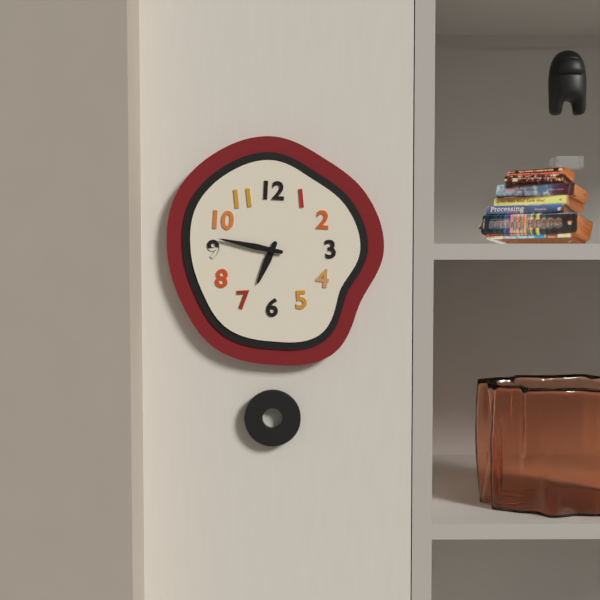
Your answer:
h=6 m=47
